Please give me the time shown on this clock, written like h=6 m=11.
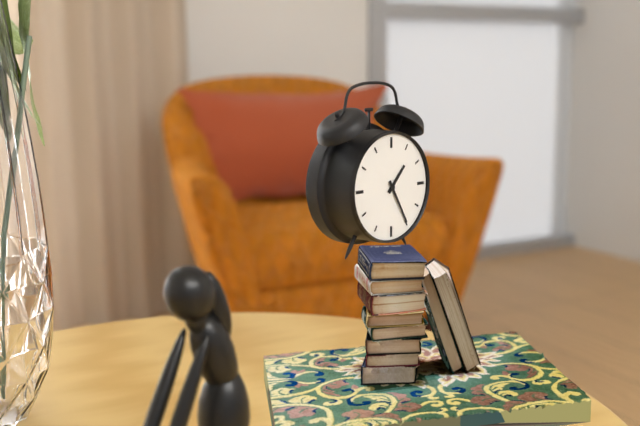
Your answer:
h=1 m=25
